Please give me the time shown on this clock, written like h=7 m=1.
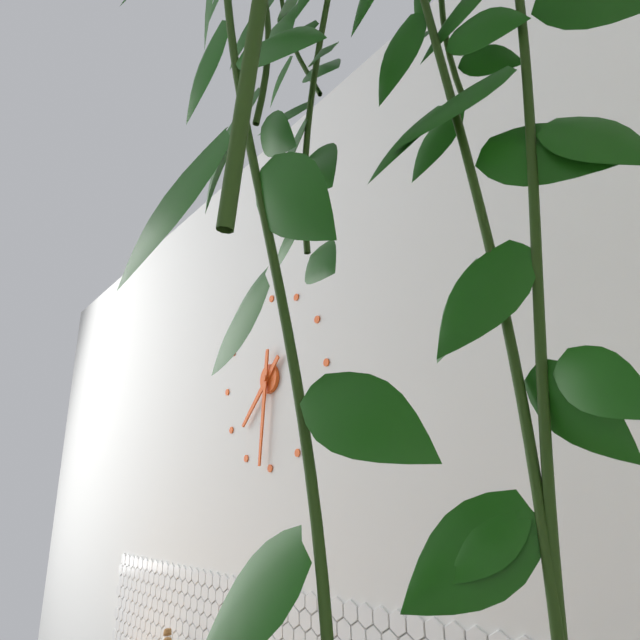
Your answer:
h=7 m=31
